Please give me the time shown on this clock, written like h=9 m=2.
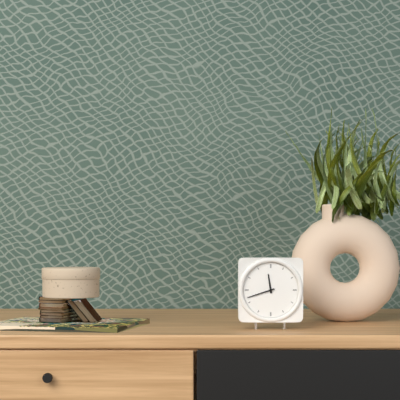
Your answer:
h=11 m=42
